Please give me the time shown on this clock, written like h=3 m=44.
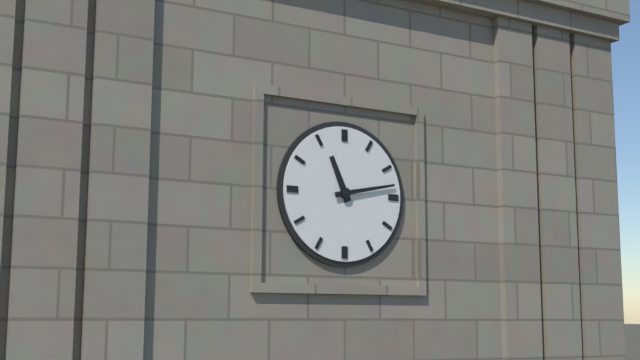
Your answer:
h=11 m=13
